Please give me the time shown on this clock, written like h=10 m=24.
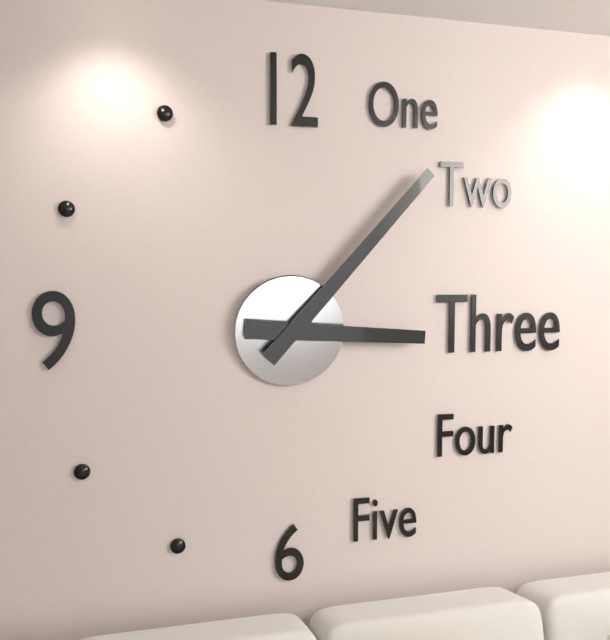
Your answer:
h=3 m=7
